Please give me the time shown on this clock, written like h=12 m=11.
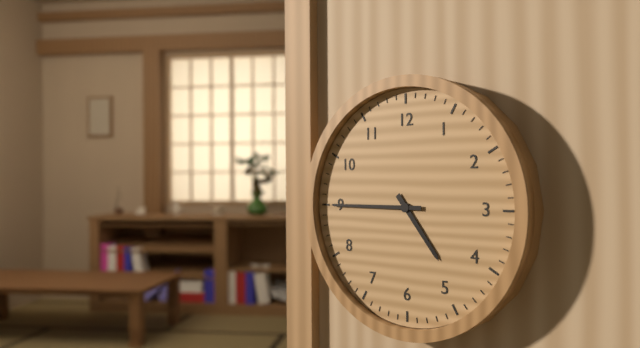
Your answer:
h=4 m=45
